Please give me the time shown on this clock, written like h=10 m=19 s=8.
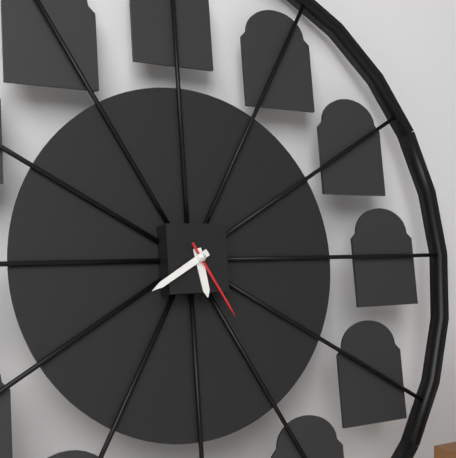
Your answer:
h=5 m=40 s=25
